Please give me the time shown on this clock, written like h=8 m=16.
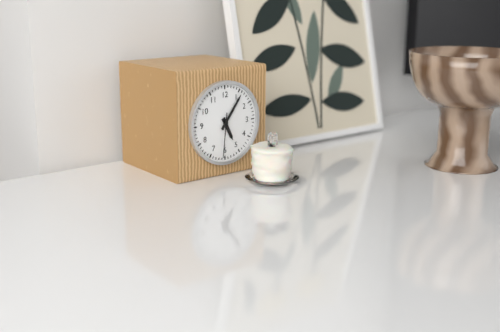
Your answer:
h=5 m=6
